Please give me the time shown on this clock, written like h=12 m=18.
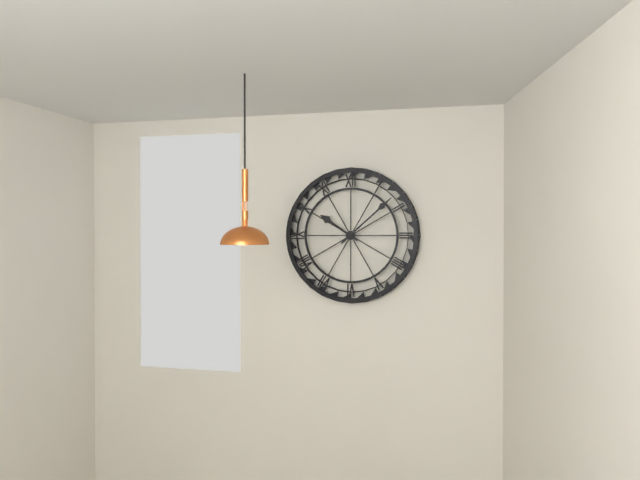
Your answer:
h=10 m=8
